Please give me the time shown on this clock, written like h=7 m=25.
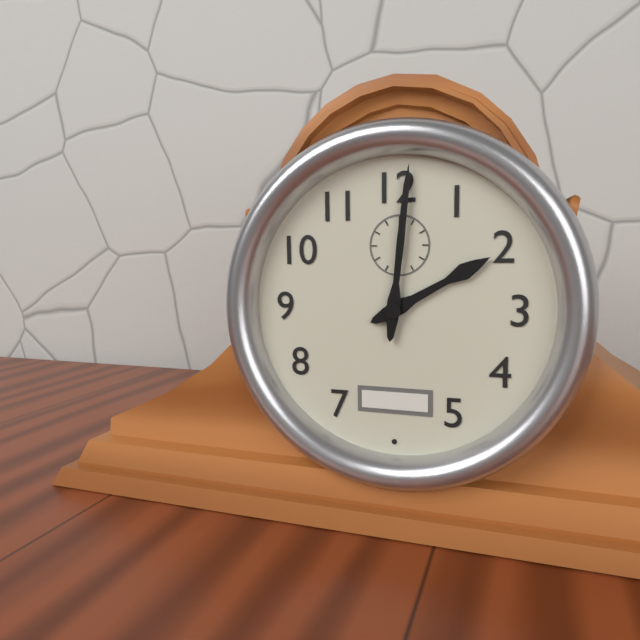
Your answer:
h=2 m=1
